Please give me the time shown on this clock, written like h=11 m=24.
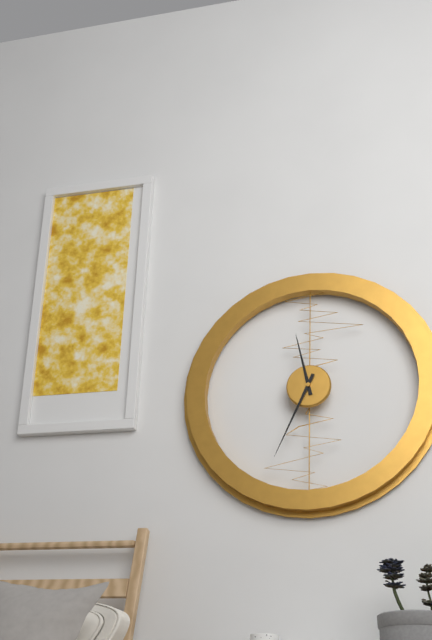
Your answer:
h=11 m=34
